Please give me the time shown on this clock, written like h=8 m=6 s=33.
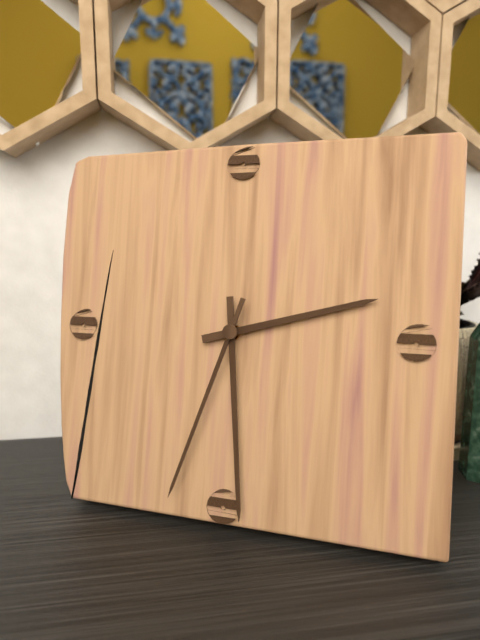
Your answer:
h=2 m=29 s=33
